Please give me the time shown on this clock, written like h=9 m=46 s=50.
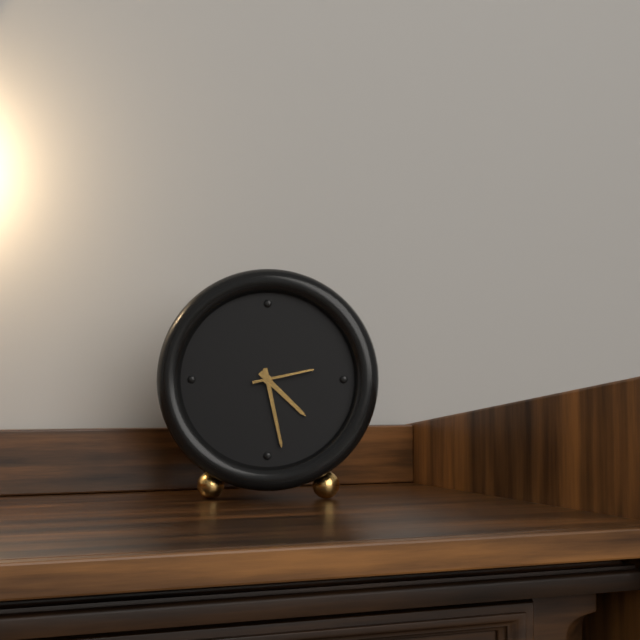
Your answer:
h=4 m=28 s=13
